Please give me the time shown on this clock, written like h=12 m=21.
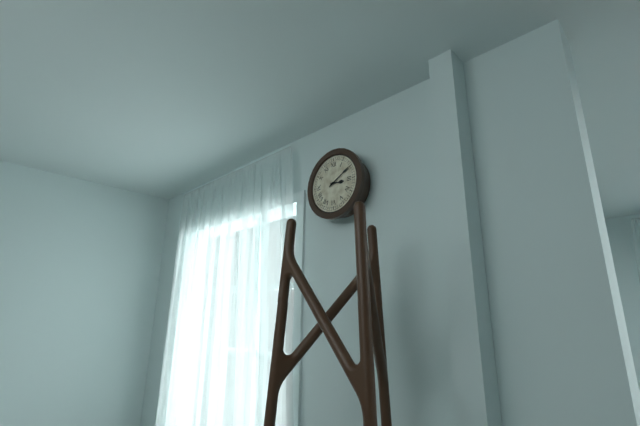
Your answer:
h=3 m=10
